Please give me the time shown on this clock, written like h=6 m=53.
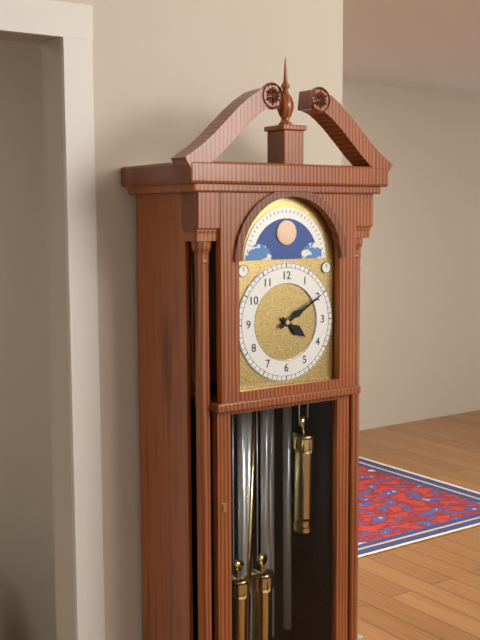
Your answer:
h=4 m=10
